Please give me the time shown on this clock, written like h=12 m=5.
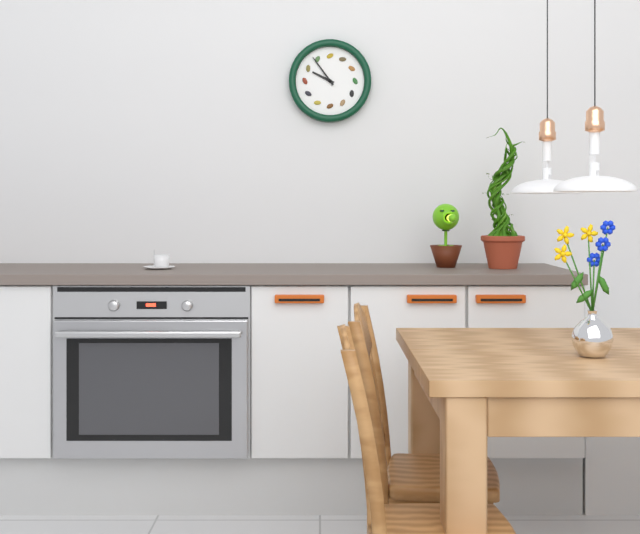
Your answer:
h=9 m=54
